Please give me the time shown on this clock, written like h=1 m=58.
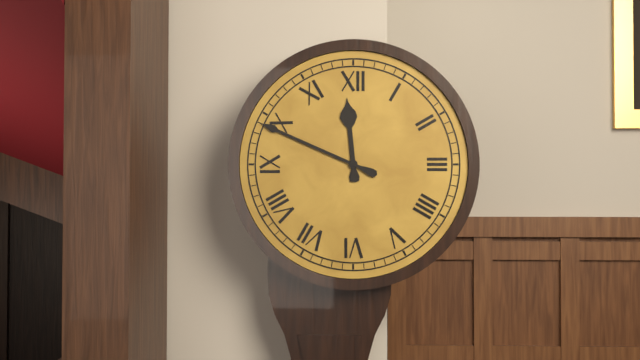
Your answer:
h=11 m=49
